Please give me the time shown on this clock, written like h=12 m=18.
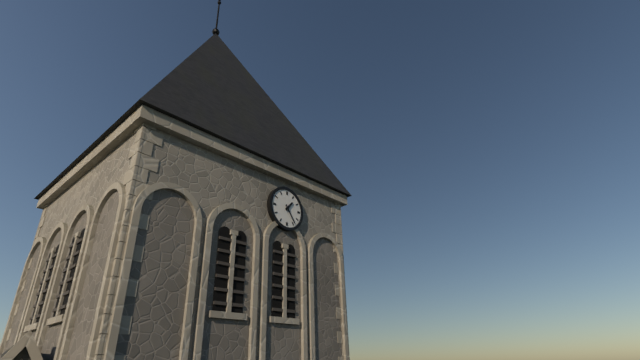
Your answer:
h=1 m=24
